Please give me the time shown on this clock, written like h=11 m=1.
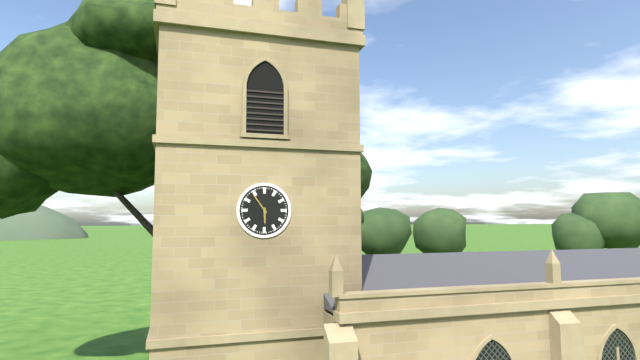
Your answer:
h=5 m=54
